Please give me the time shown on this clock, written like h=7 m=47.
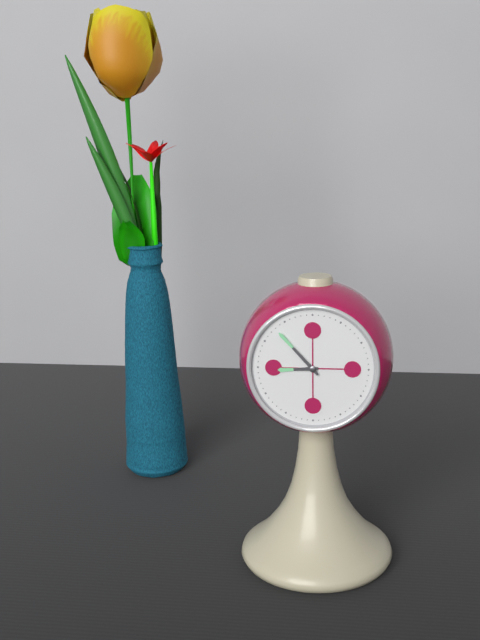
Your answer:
h=8 m=53
